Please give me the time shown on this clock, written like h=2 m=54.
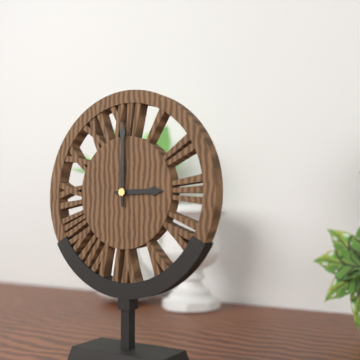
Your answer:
h=3 m=0
